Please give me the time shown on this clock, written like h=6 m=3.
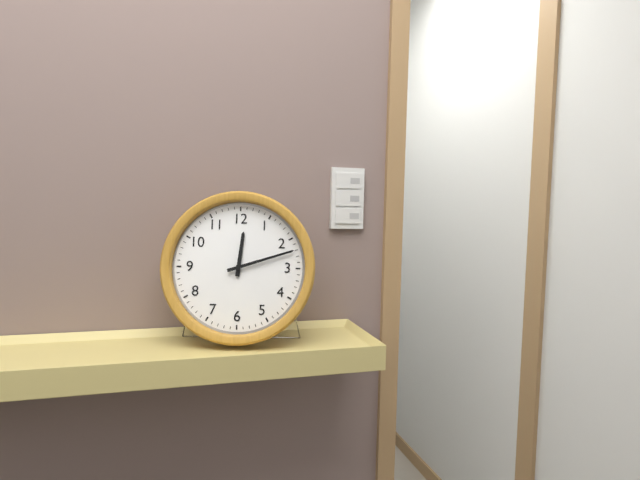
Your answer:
h=12 m=12
